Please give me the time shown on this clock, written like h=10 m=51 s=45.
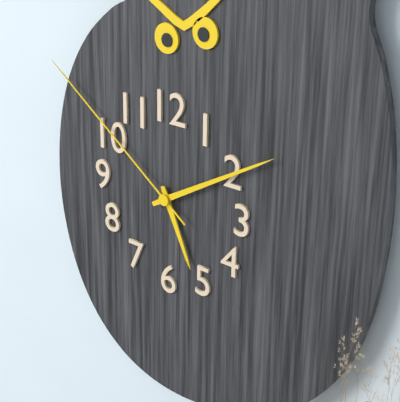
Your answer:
h=5 m=10 s=51
